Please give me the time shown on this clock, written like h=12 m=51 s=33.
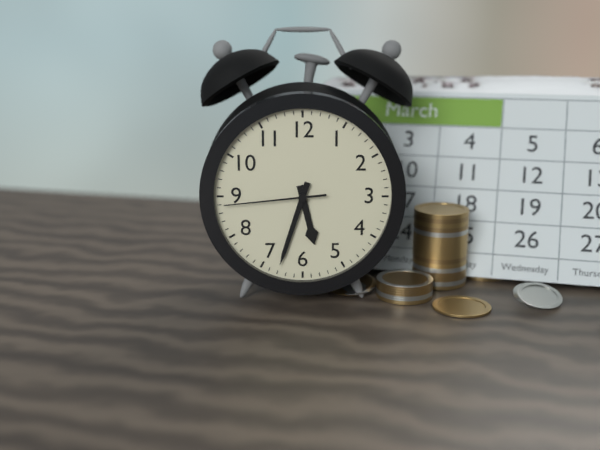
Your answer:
h=5 m=33 s=44
